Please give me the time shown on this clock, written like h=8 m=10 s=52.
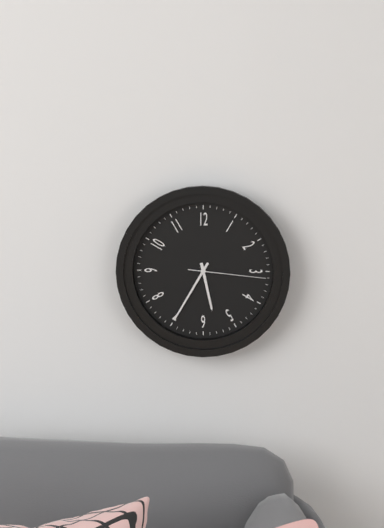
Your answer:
h=5 m=35 s=16
